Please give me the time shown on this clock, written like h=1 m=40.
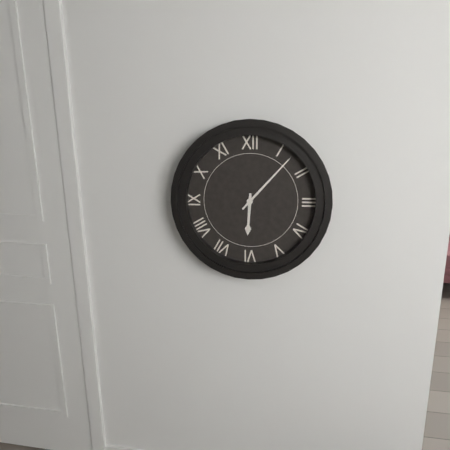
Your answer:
h=6 m=7
